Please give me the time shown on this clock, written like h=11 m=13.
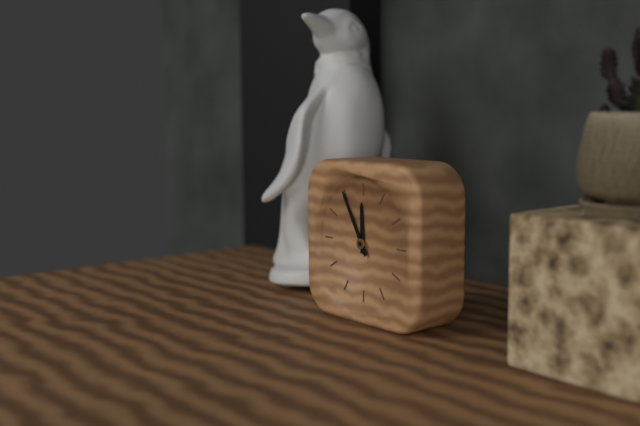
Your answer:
h=11 m=55
